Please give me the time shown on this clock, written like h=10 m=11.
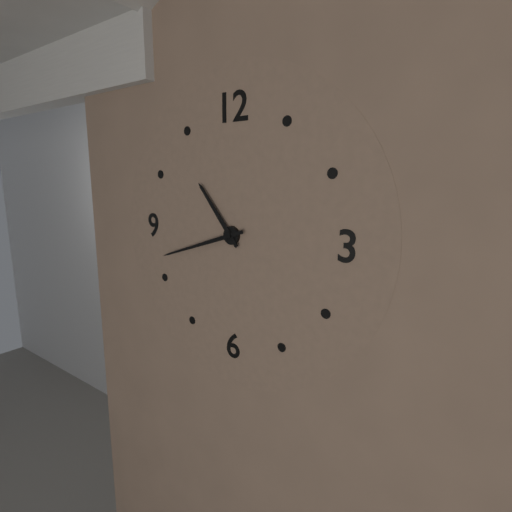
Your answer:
h=10 m=42
